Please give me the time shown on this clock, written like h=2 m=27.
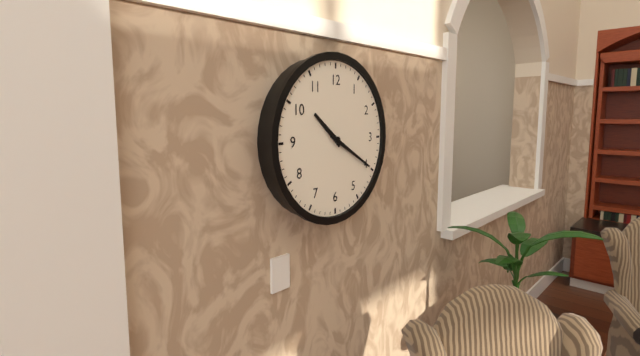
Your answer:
h=10 m=20
